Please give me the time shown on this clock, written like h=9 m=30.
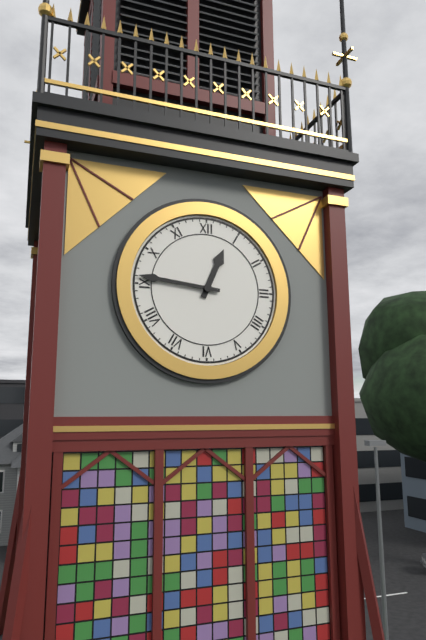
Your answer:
h=12 m=46
